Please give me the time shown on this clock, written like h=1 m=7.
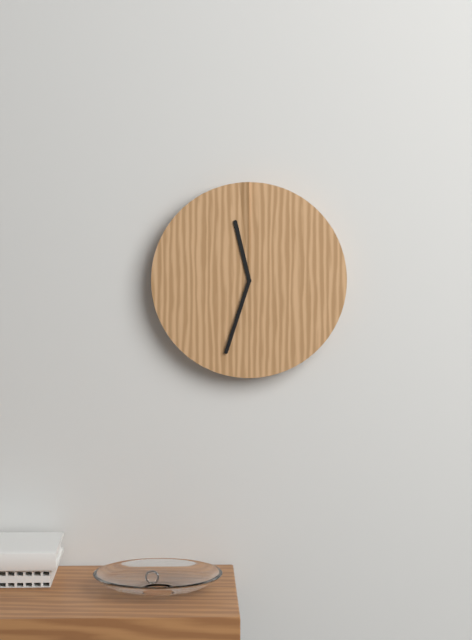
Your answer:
h=11 m=33
